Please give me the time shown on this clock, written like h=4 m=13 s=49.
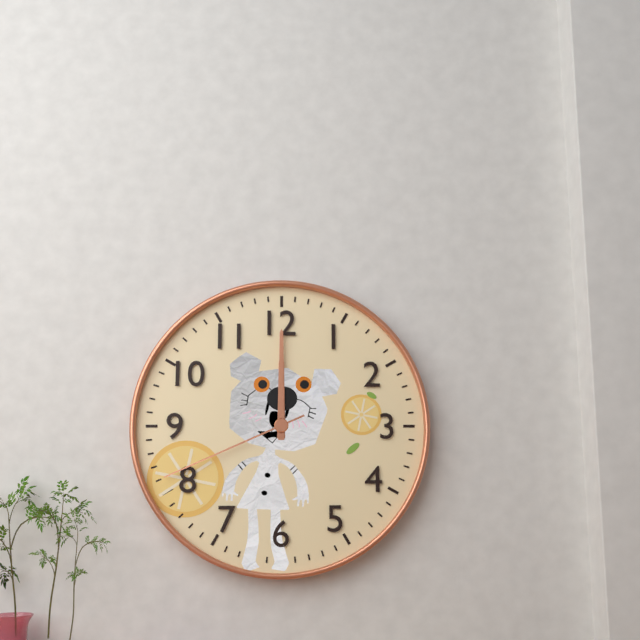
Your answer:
h=12 m=0 s=41
